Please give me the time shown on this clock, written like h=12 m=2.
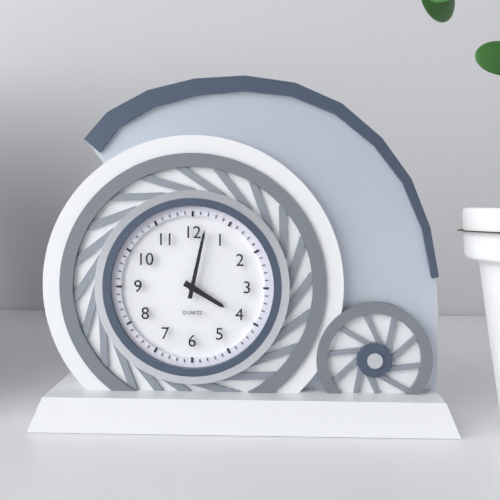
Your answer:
h=4 m=2
